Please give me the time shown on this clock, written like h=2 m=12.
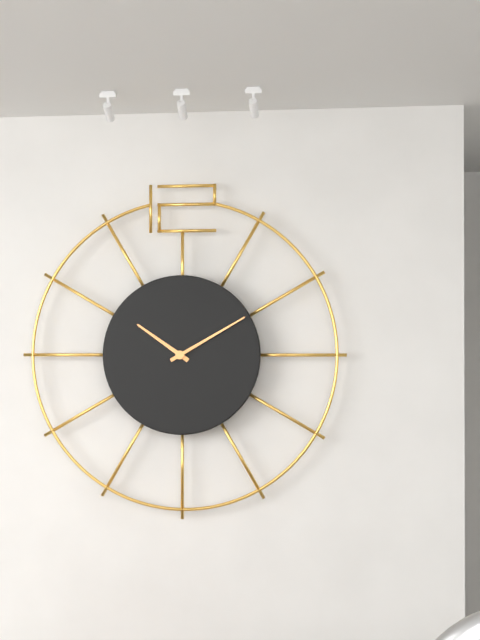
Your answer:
h=10 m=10
